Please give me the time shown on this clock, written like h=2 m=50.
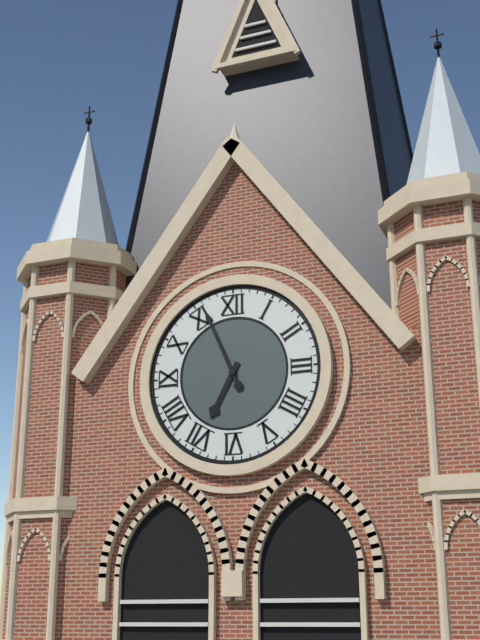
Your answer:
h=6 m=56
